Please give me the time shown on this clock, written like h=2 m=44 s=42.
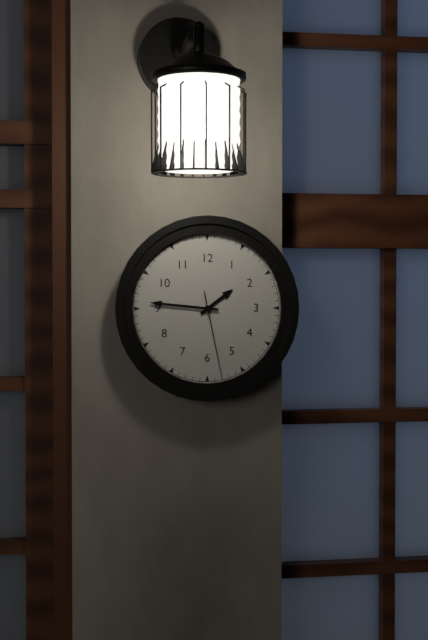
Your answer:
h=1 m=46 s=28
